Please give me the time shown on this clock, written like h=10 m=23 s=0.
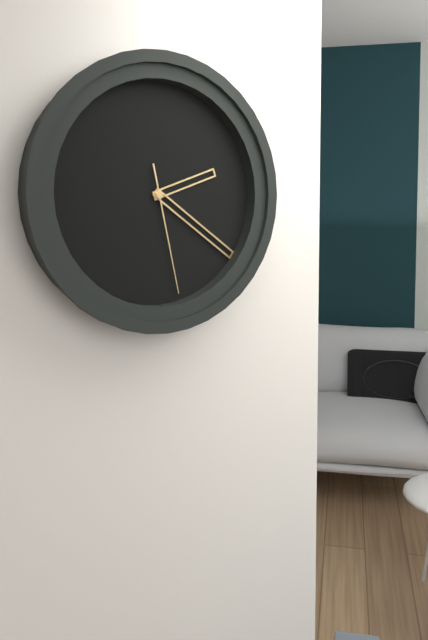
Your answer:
h=2 m=21 s=28
